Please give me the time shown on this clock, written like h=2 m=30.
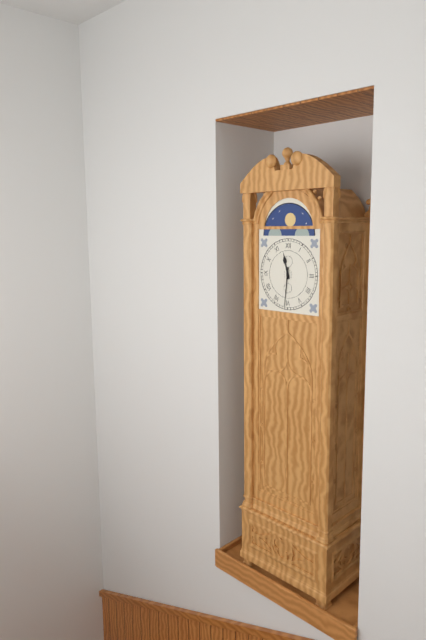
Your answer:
h=11 m=31
